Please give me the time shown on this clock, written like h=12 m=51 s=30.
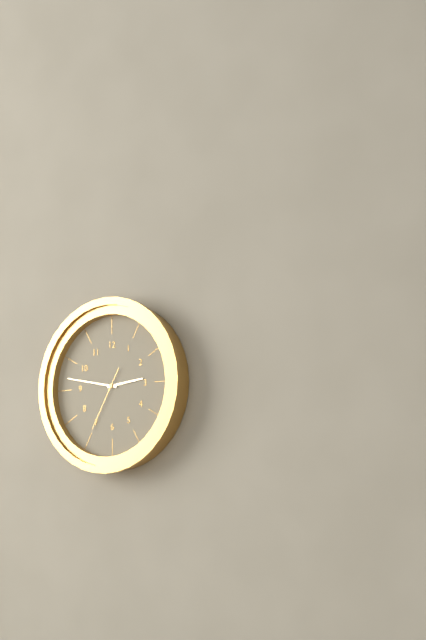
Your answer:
h=2 m=47 s=35
